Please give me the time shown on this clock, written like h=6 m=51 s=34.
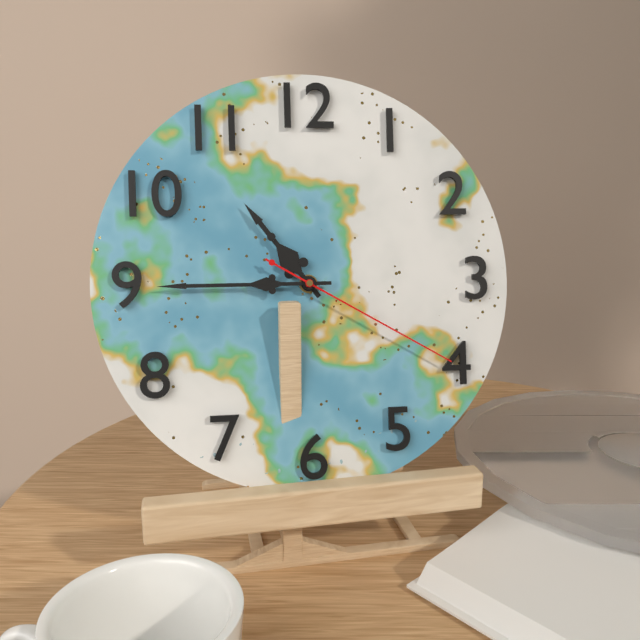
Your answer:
h=10 m=45 s=20
